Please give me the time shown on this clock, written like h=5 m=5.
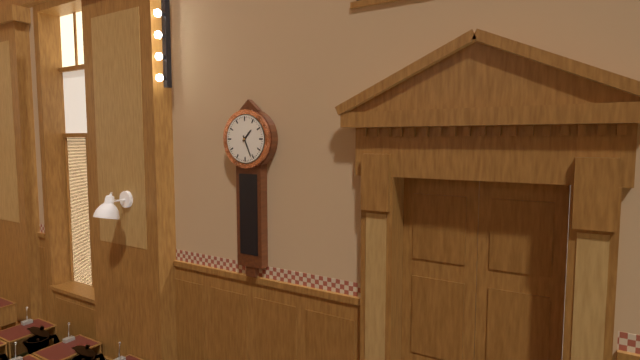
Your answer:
h=1 m=26
